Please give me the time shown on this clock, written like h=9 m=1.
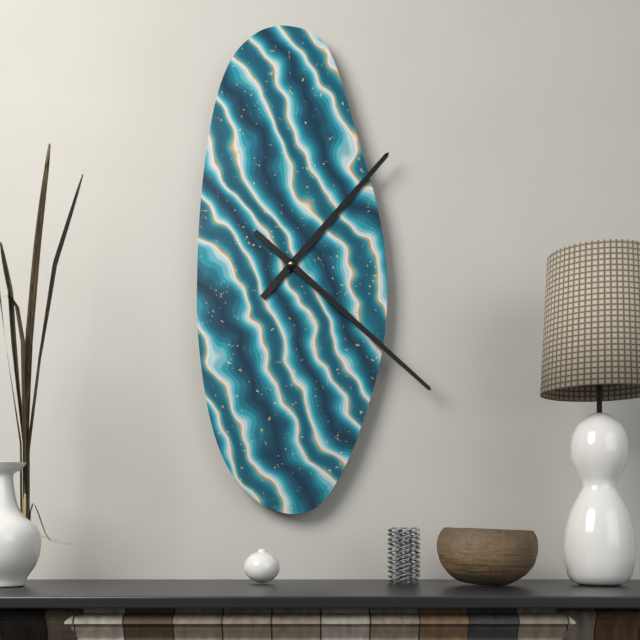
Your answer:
h=1 m=22
